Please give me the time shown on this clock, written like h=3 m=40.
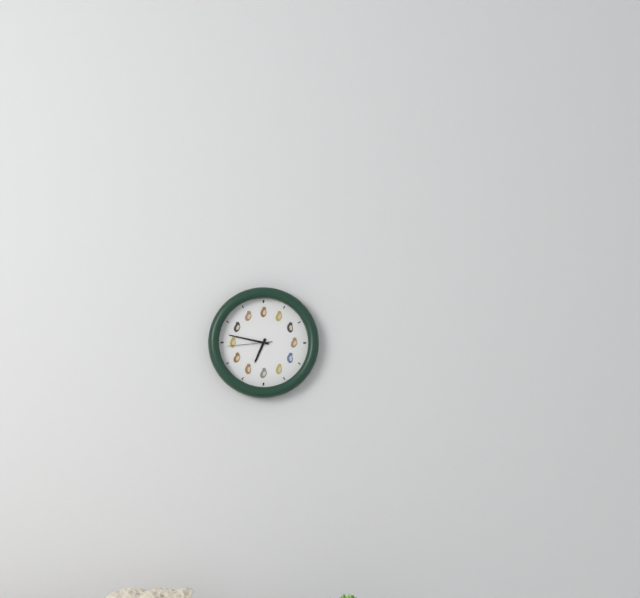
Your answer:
h=6 m=47
